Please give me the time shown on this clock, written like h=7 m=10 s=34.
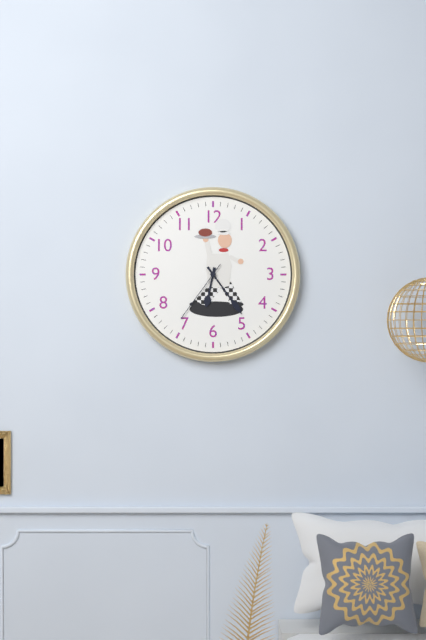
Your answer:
h=6 m=24 s=36
